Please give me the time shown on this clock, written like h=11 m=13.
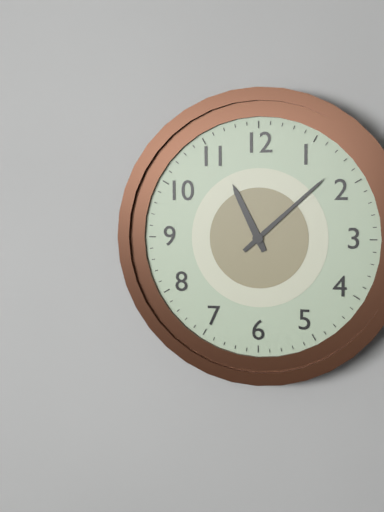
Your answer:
h=11 m=8
